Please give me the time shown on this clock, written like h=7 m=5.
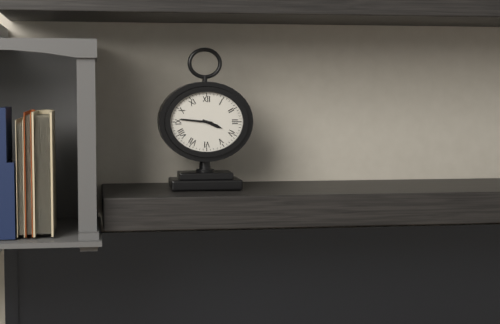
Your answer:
h=3 m=46
